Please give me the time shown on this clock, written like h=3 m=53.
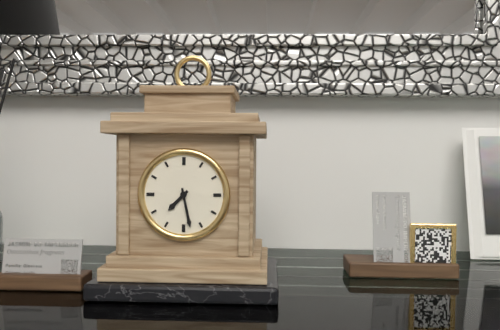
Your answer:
h=7 m=28
